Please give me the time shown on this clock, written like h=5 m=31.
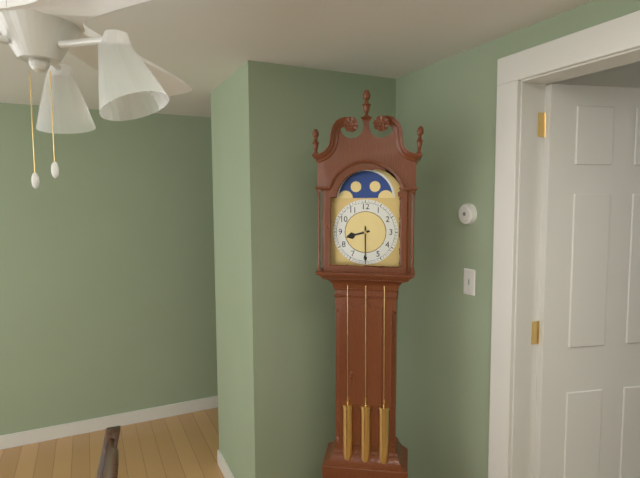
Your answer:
h=8 m=30
